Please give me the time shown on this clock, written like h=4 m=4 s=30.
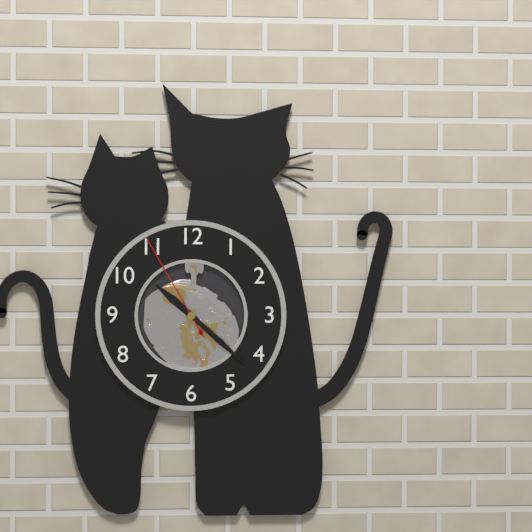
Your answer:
h=10 m=22 s=55
